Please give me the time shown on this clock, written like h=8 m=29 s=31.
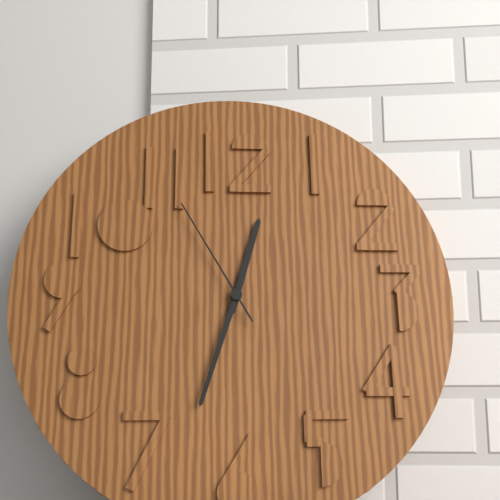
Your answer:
h=12 m=33 s=55
